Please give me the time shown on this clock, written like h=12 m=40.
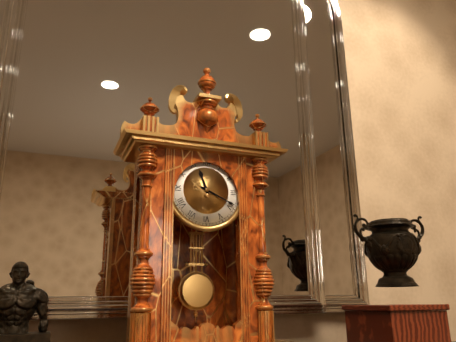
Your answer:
h=11 m=19
